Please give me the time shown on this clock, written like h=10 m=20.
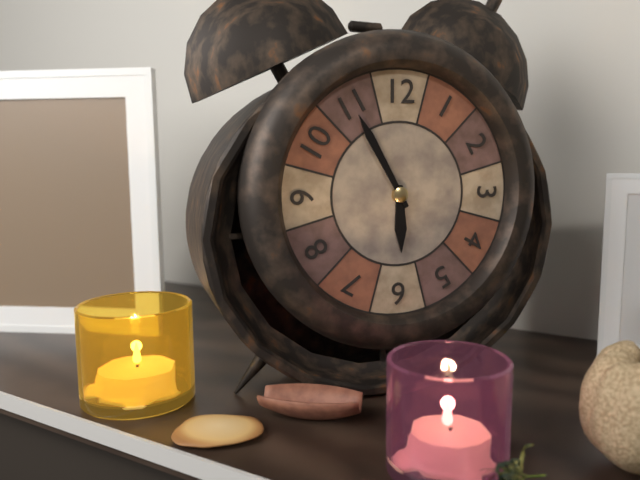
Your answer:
h=5 m=55
